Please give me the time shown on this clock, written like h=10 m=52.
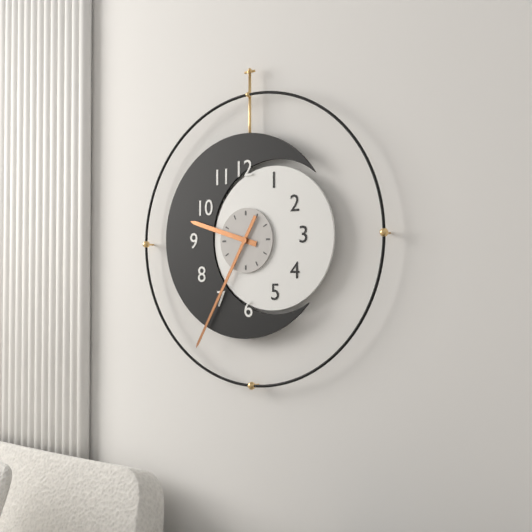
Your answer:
h=9 m=35
